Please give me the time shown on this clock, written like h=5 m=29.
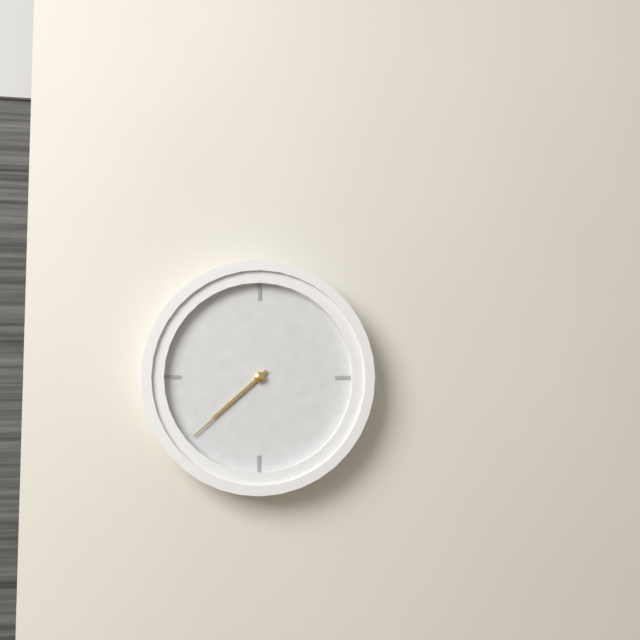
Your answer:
h=7 m=38
